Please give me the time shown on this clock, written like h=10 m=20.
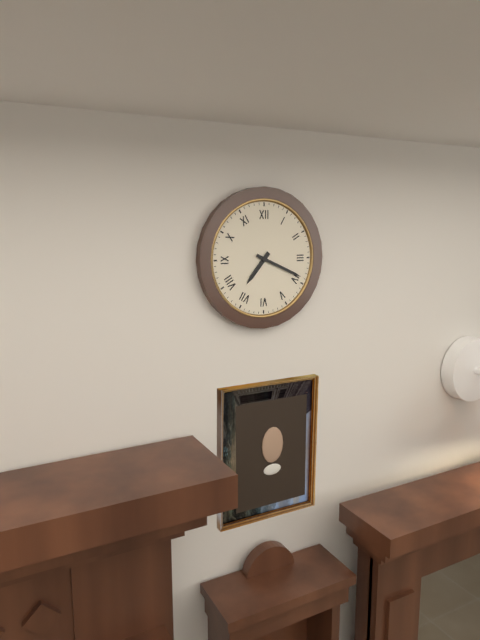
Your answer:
h=7 m=19
